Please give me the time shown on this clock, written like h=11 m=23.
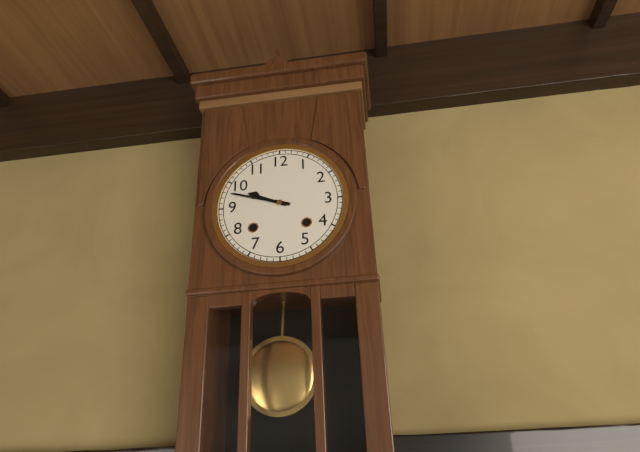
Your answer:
h=9 m=48
